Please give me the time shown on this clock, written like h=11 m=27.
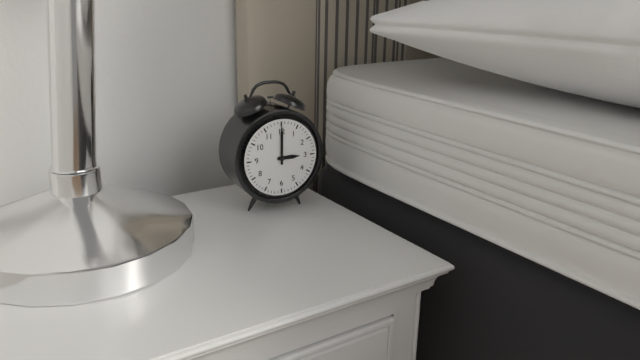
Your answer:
h=3 m=0
